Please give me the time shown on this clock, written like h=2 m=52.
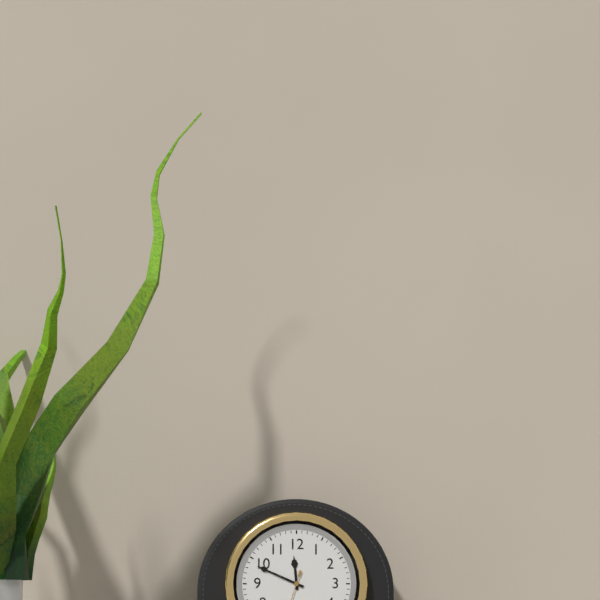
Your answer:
h=11 m=49
